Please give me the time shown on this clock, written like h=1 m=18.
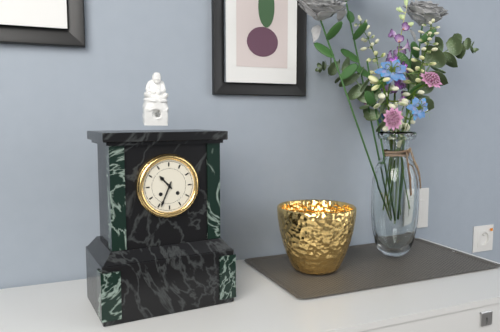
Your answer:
h=10 m=34
